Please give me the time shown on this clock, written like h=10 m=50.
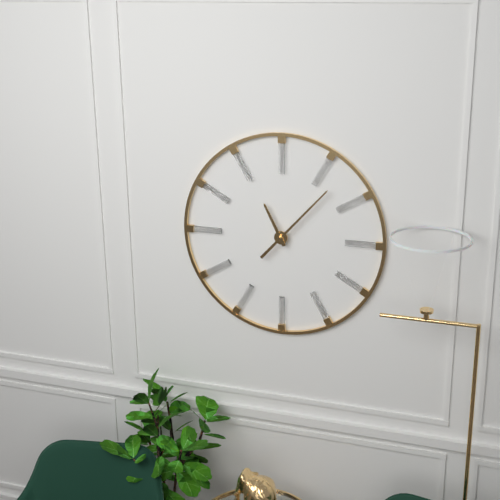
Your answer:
h=11 m=7
